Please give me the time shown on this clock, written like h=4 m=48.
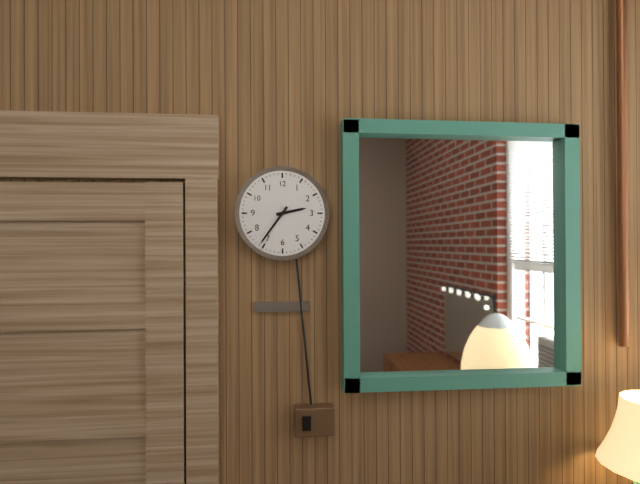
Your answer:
h=2 m=36
